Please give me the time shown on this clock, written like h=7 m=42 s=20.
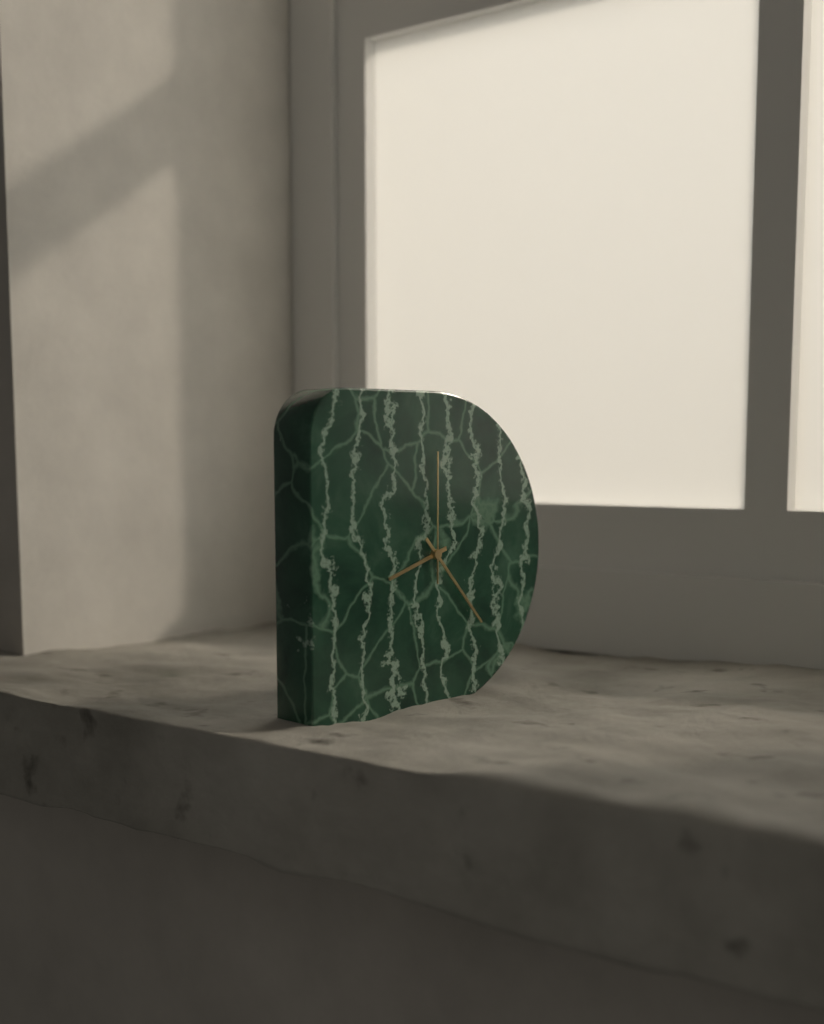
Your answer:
h=8 m=23 s=0
